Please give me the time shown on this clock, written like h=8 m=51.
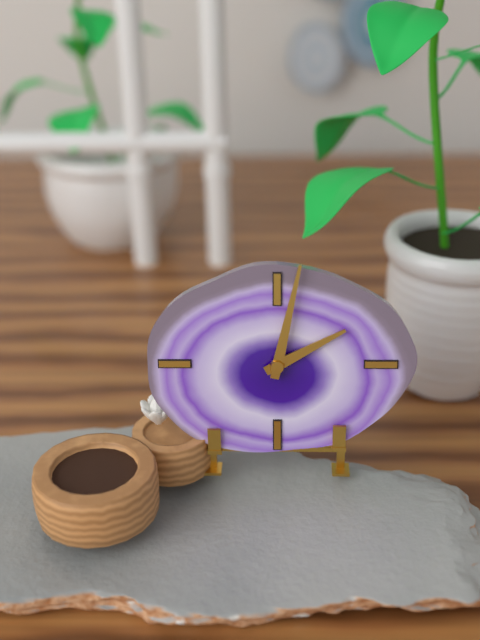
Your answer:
h=2 m=2
